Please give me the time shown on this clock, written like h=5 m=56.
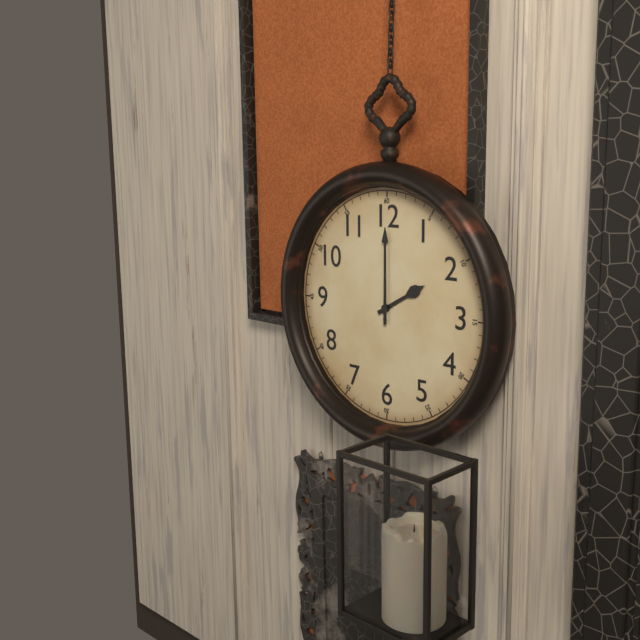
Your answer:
h=2 m=0
